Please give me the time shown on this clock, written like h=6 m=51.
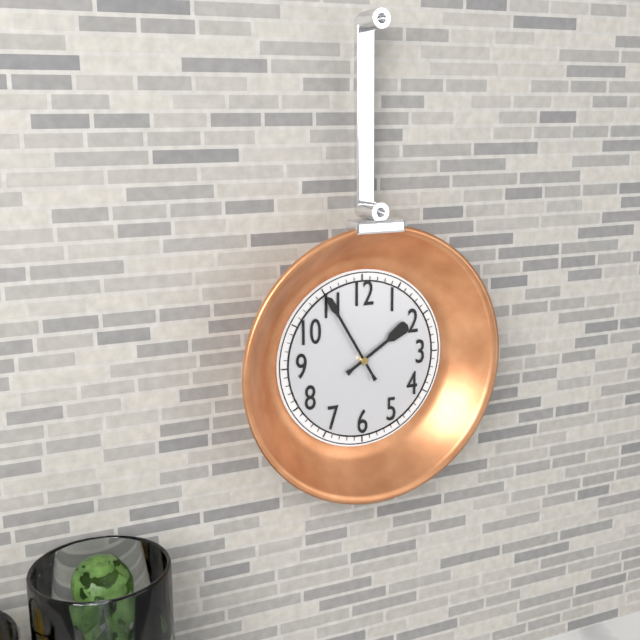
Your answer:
h=1 m=55
